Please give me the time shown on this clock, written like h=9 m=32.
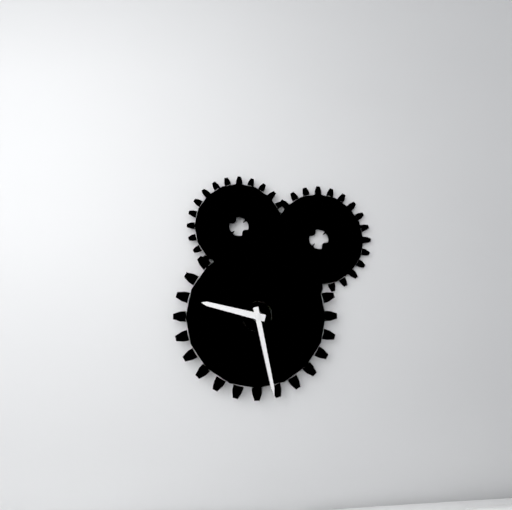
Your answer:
h=9 m=28
